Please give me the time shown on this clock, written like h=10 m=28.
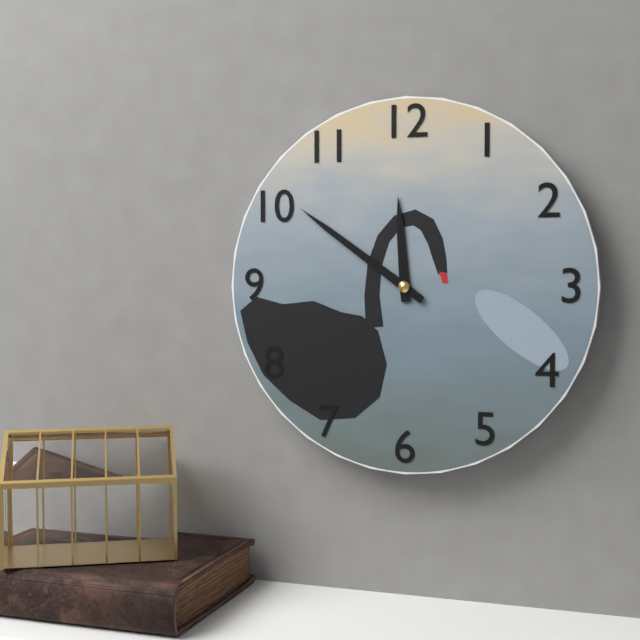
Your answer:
h=11 m=51
